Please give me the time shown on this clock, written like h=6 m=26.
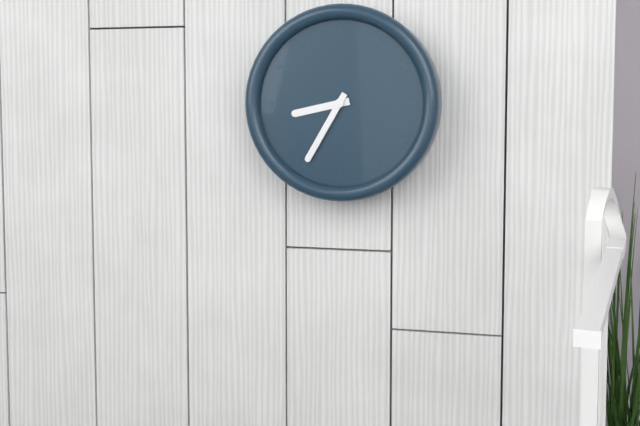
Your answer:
h=8 m=35
